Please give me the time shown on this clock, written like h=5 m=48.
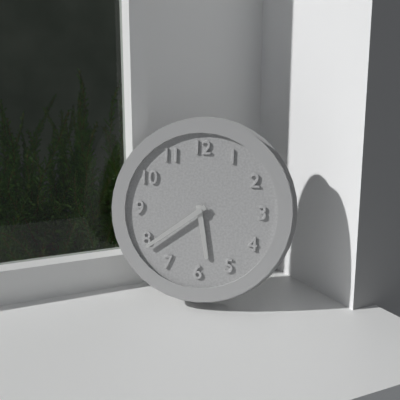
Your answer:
h=5 m=39
